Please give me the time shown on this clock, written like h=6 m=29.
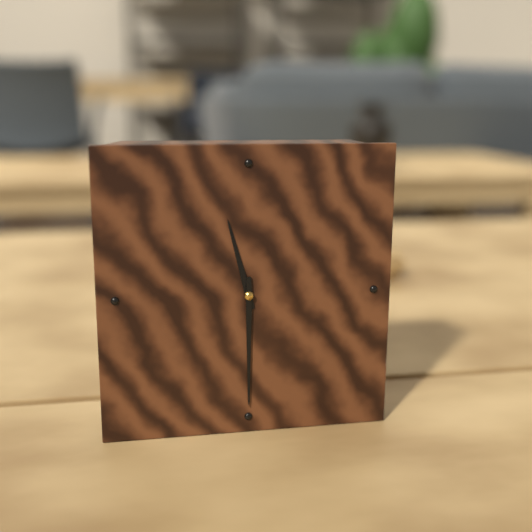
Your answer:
h=11 m=30
